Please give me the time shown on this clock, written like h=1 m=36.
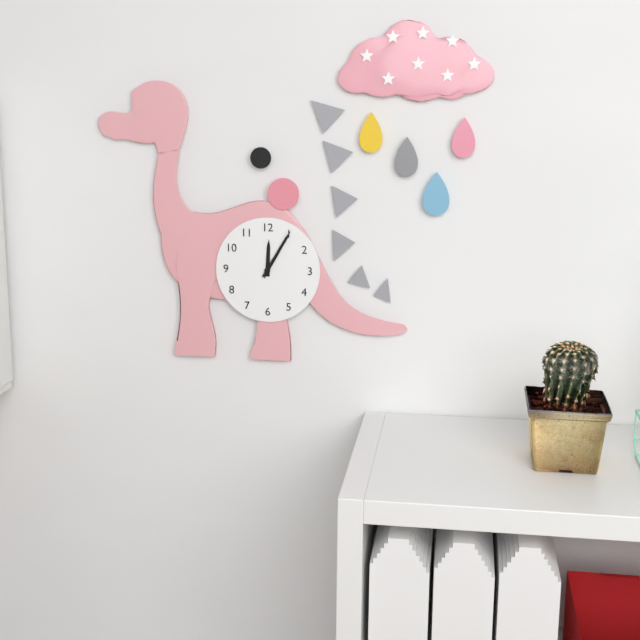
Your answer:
h=12 m=5
